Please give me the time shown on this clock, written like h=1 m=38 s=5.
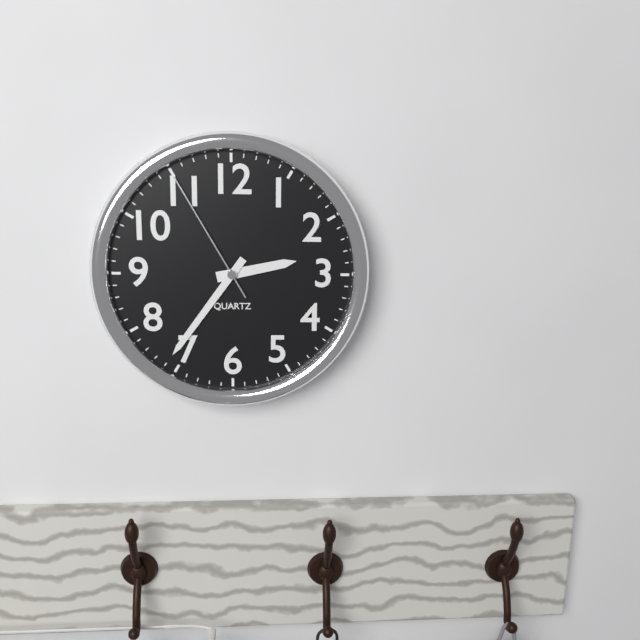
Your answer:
h=2 m=36 s=55
